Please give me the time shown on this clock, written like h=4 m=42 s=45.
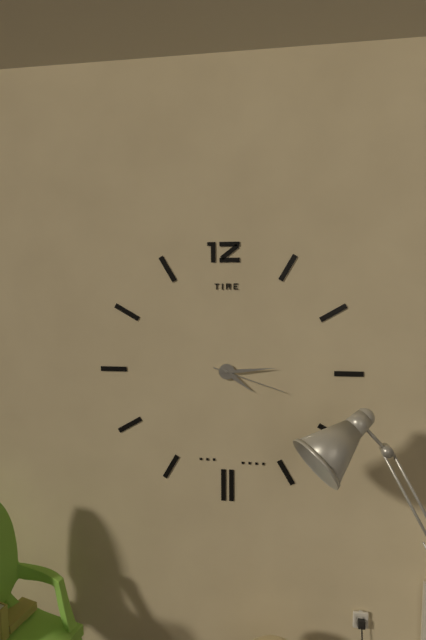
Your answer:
h=4 m=14 s=18
